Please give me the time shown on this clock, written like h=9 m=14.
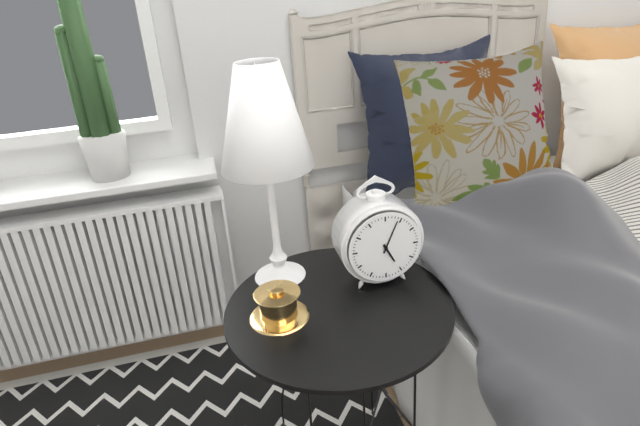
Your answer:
h=5 m=4
